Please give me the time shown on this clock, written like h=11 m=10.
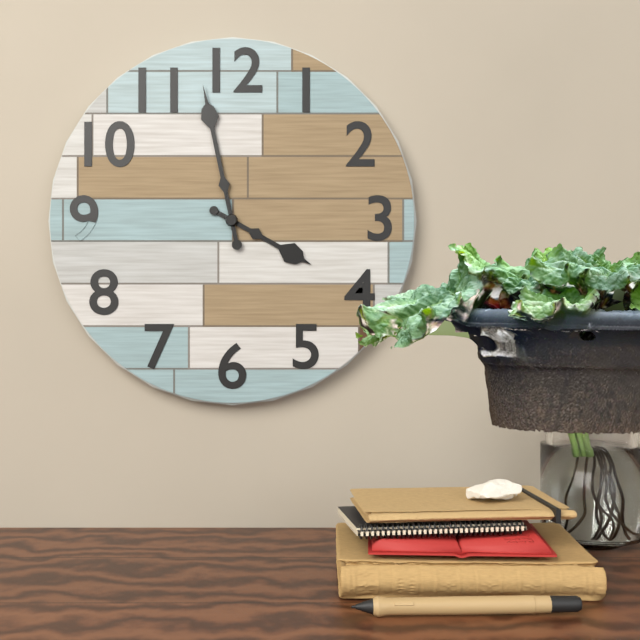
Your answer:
h=3 m=58
